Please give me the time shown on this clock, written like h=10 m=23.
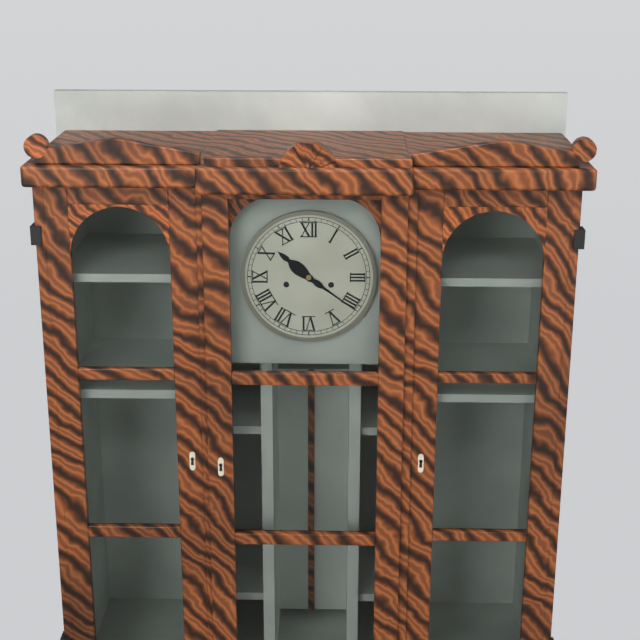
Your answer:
h=10 m=21
